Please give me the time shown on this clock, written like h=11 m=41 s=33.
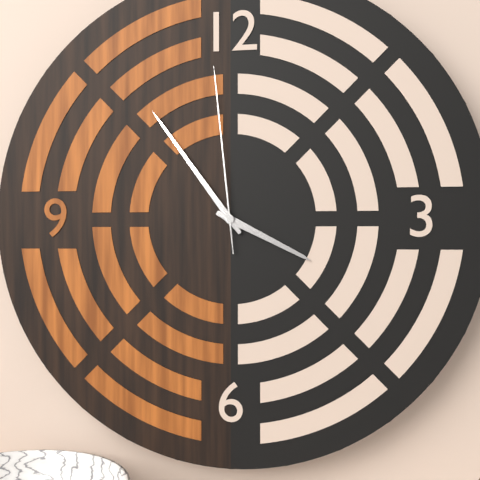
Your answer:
h=3 m=54 s=59
